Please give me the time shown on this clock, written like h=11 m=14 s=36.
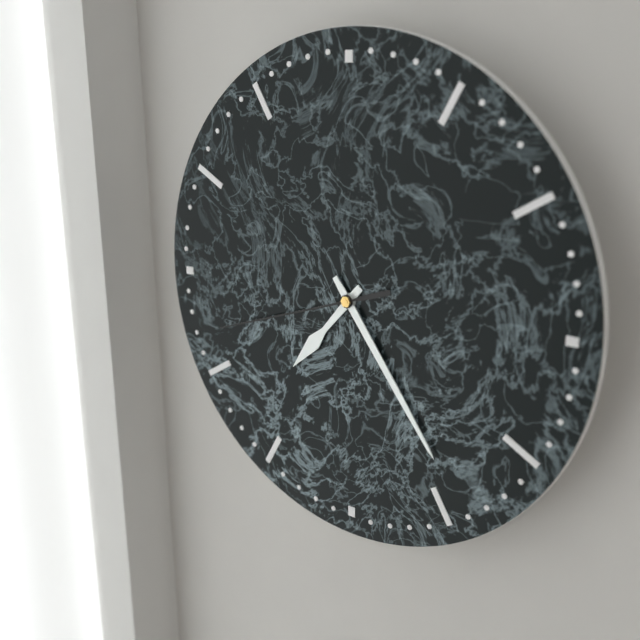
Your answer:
h=7 m=24 s=42
